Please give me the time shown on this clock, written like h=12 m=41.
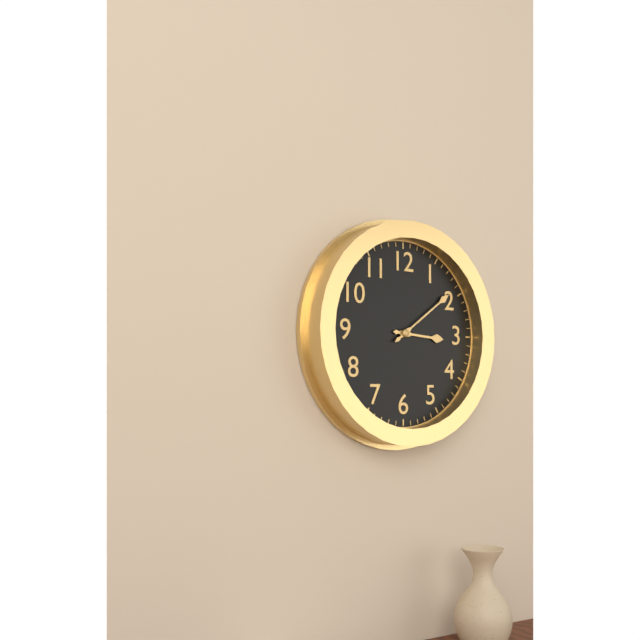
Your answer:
h=3 m=9
